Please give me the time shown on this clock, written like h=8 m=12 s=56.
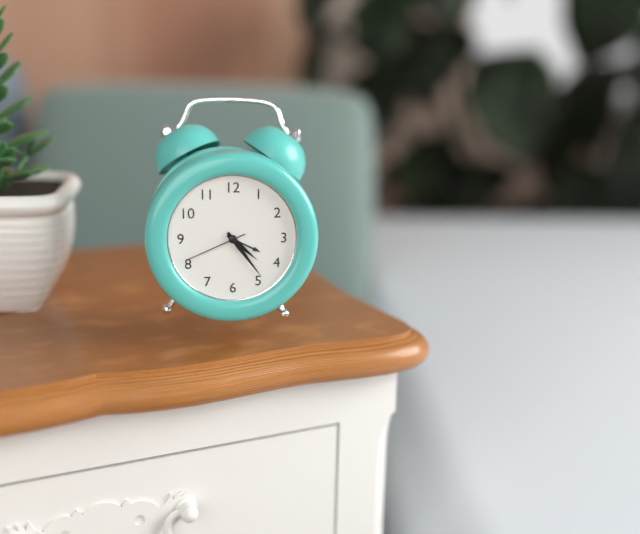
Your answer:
h=4 m=24 s=41
